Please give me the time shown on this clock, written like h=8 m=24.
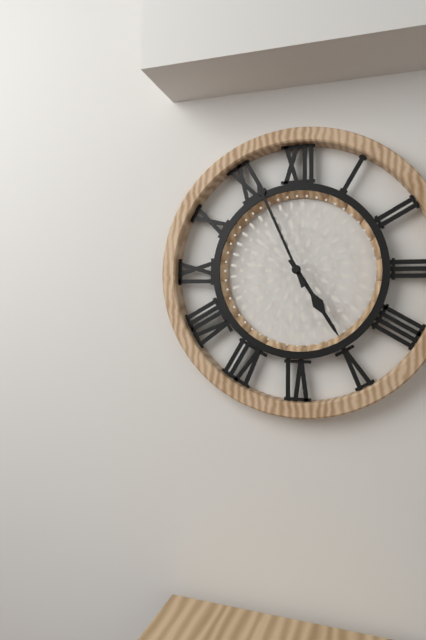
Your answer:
h=4 m=56
